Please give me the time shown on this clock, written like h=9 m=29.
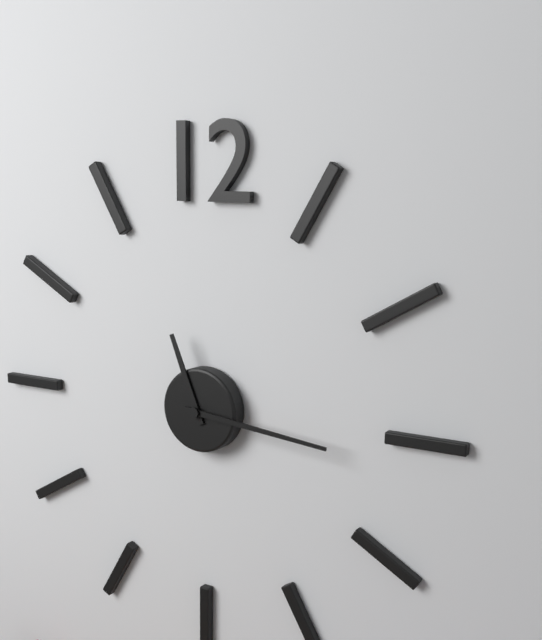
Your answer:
h=11 m=16
